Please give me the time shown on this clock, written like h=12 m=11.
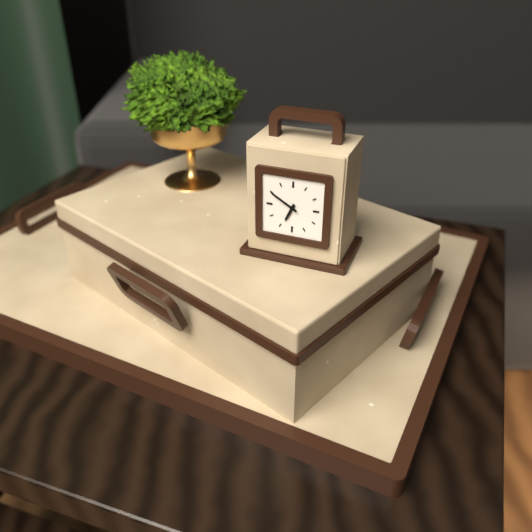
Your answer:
h=6 m=50
